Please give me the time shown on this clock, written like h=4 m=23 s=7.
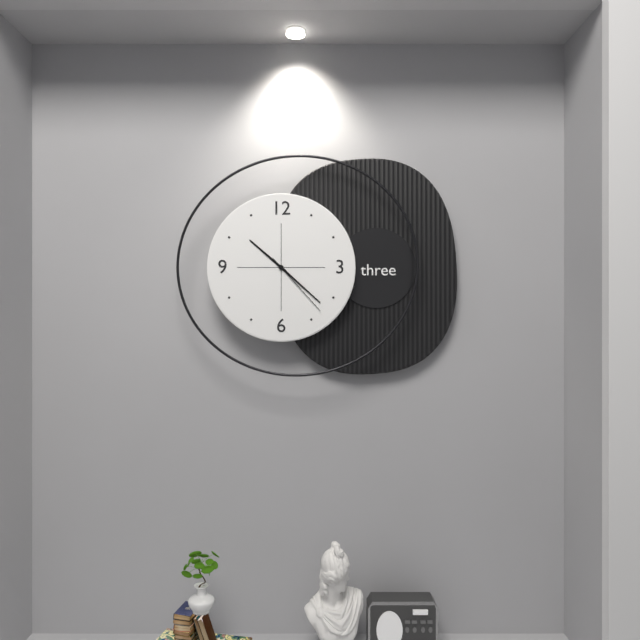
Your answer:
h=10 m=22 s=23
